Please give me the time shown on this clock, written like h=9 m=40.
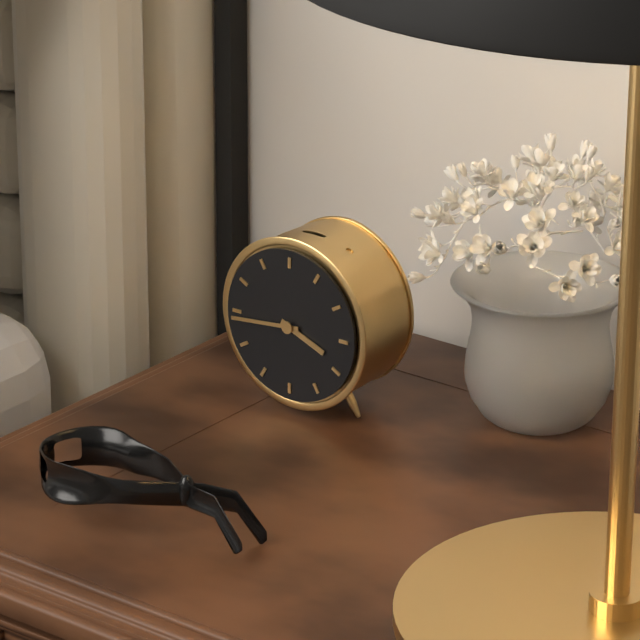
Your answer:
h=3 m=44
